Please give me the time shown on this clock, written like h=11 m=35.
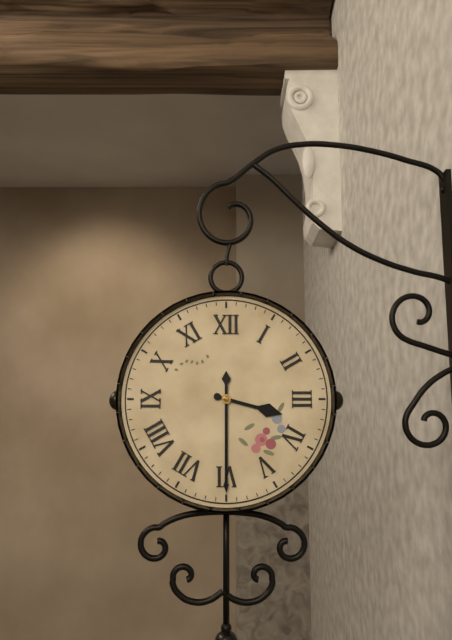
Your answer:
h=3 m=30
